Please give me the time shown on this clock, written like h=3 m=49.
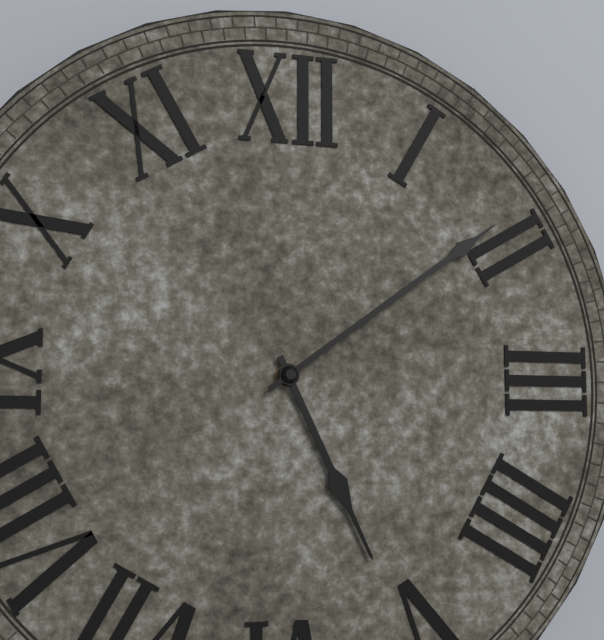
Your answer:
h=5 m=9
